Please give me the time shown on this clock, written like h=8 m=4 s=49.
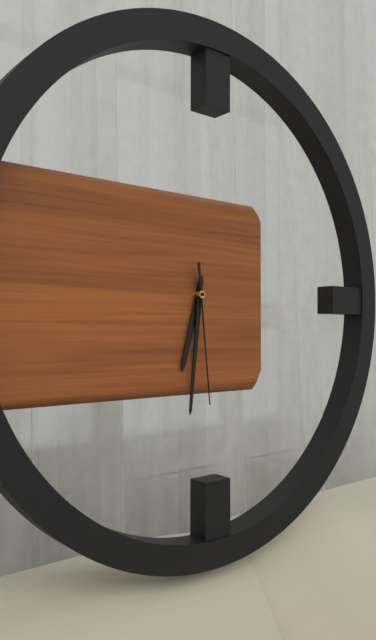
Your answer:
h=6 m=31 s=29
